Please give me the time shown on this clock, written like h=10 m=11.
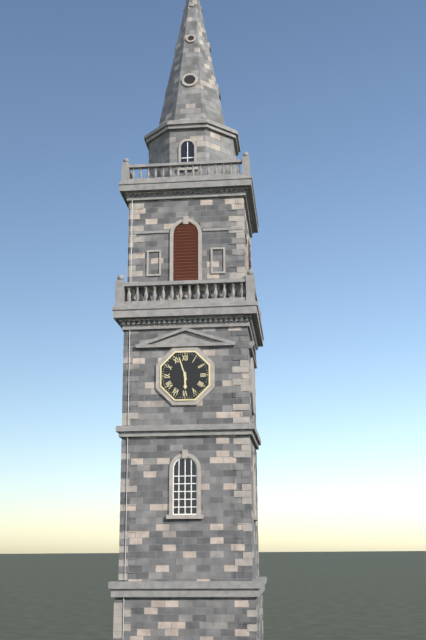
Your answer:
h=5 m=57
